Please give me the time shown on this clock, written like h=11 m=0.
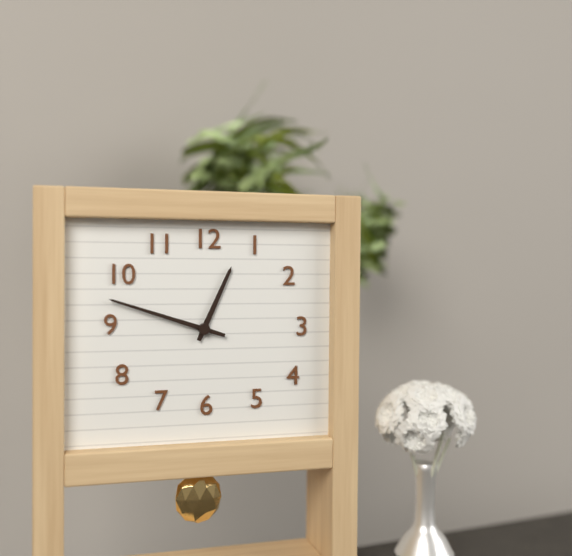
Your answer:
h=12 m=48
